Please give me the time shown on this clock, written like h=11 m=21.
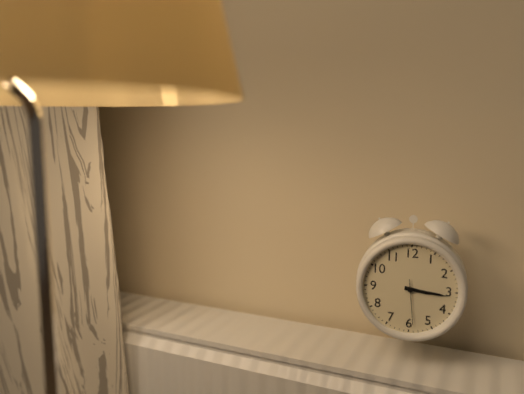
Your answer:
h=3 m=16
